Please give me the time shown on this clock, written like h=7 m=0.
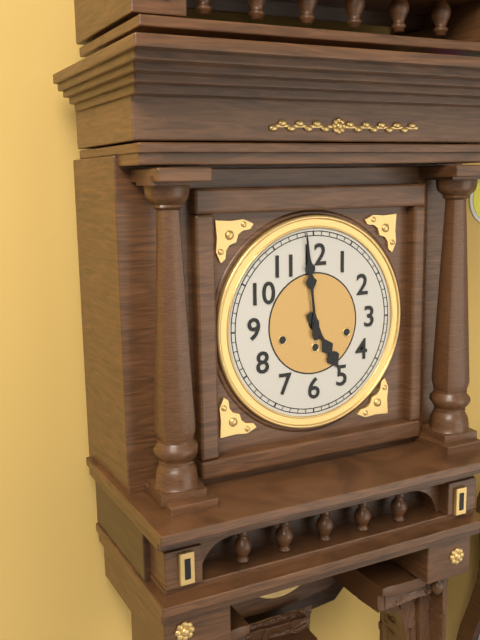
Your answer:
h=4 m=59
